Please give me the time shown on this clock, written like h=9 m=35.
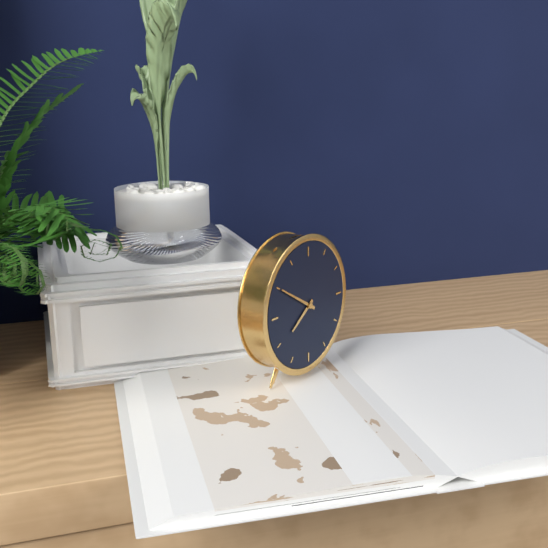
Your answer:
h=7 m=50
